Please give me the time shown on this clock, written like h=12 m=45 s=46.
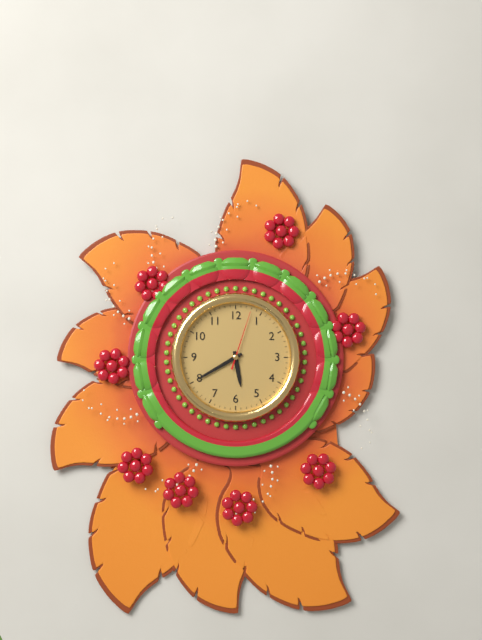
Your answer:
h=5 m=40 s=3
